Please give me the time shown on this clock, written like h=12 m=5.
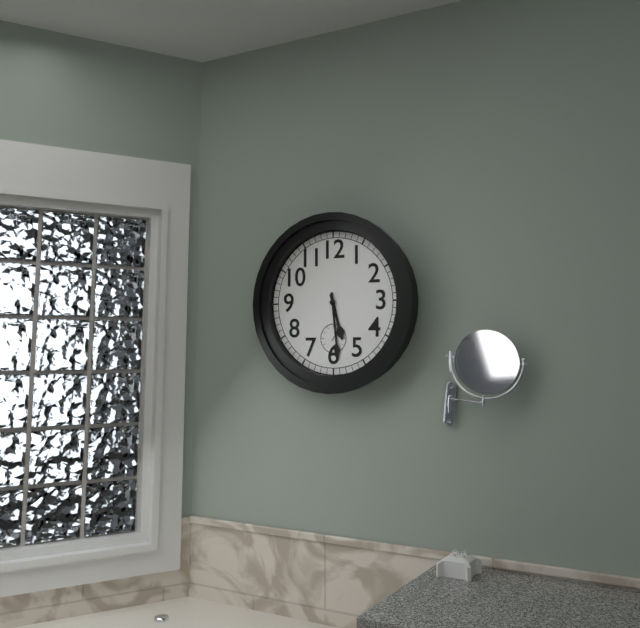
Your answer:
h=5 m=29
